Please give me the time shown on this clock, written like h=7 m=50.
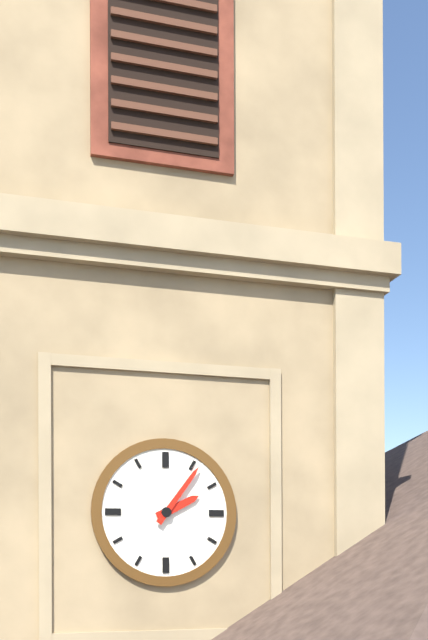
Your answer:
h=2 m=6
